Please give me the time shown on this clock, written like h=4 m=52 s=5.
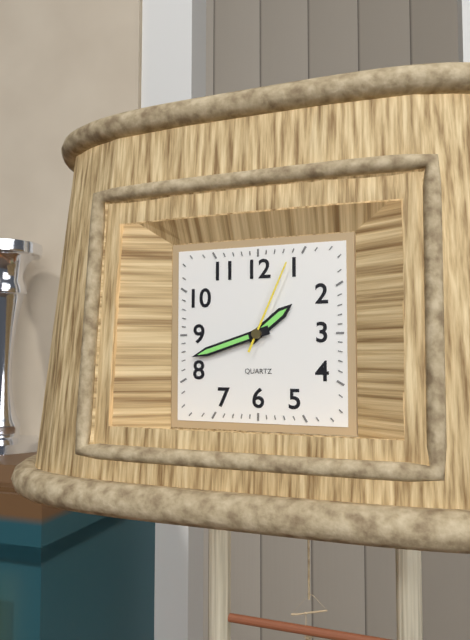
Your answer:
h=1 m=42 s=4
